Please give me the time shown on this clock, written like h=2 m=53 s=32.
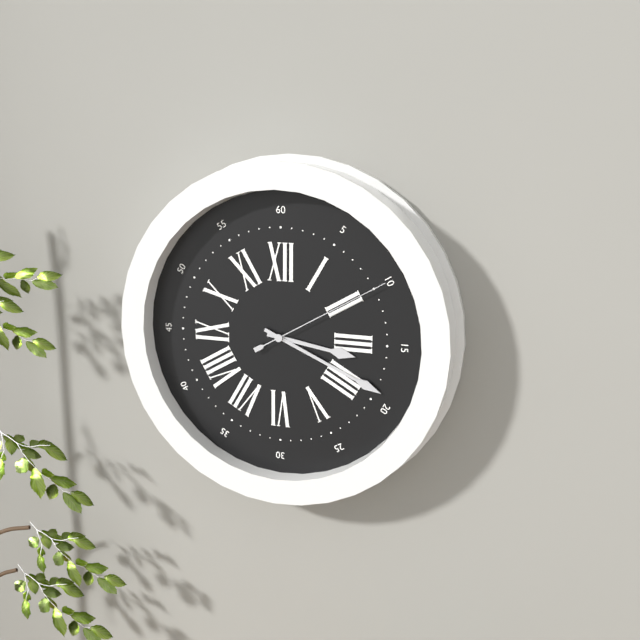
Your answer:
h=3 m=19 s=10
